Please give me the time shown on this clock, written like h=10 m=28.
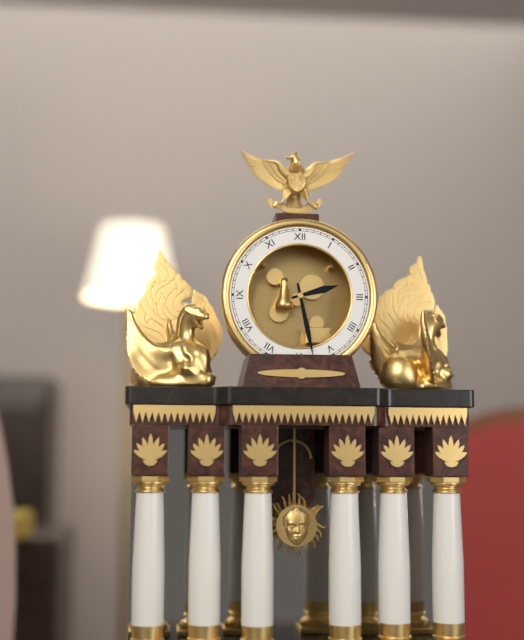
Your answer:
h=2 m=28
